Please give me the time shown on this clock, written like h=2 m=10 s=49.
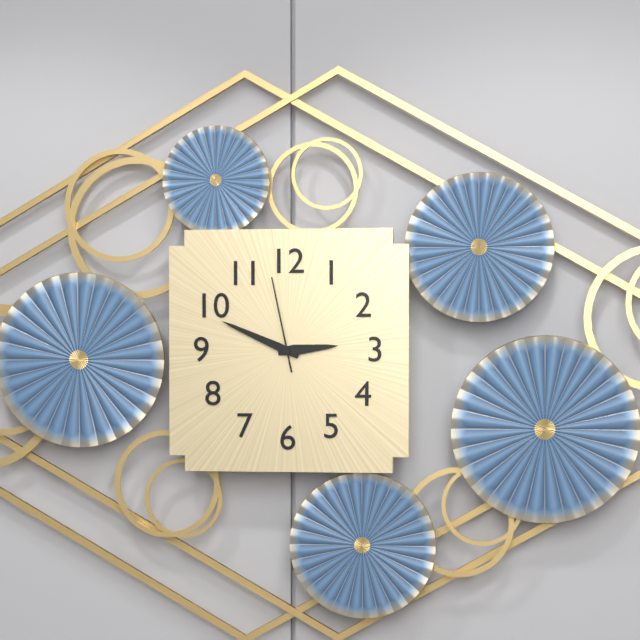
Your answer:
h=2 m=49 s=58
